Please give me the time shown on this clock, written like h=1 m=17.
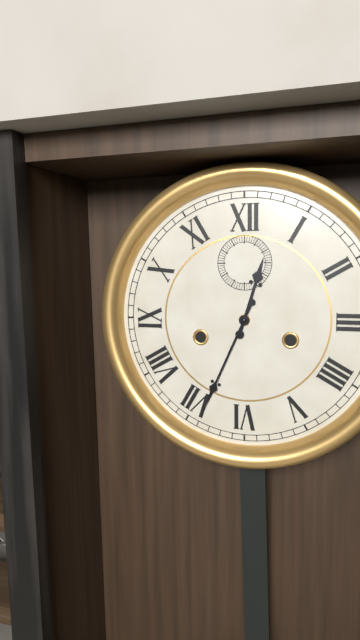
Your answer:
h=12 m=34
